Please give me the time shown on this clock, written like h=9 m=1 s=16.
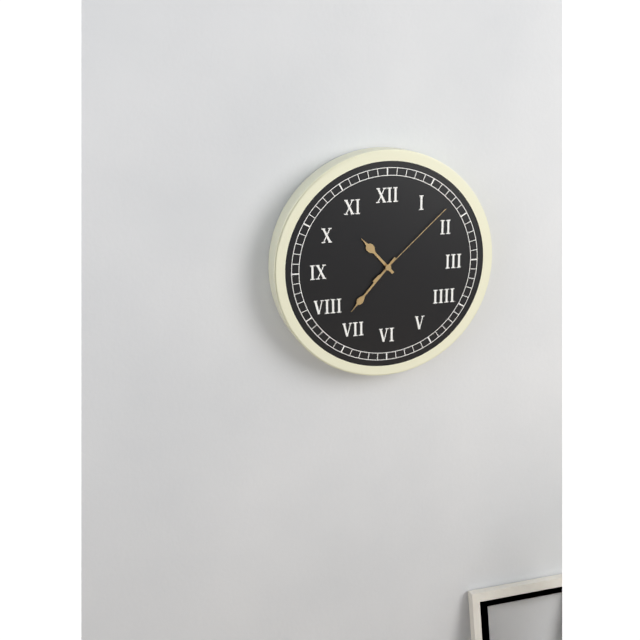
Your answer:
h=10 m=37 s=8
